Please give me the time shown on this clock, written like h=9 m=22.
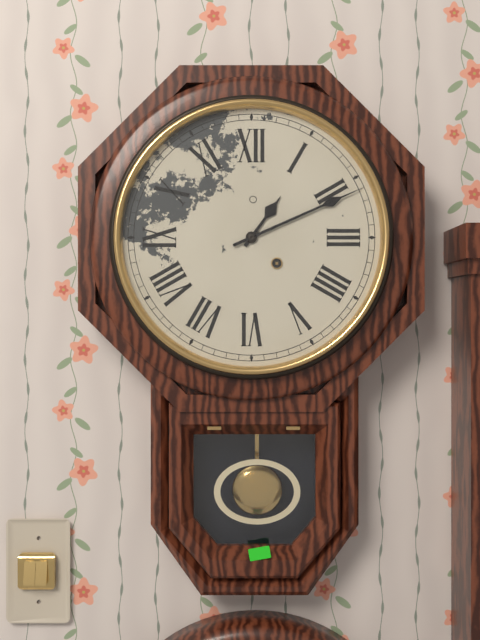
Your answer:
h=1 m=11
